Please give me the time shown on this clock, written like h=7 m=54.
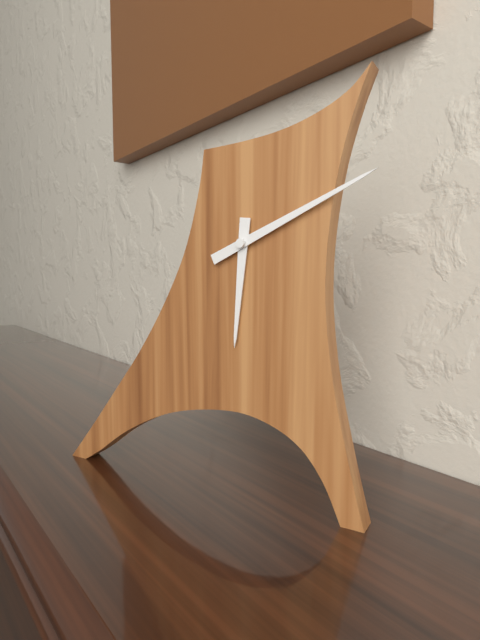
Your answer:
h=6 m=11
